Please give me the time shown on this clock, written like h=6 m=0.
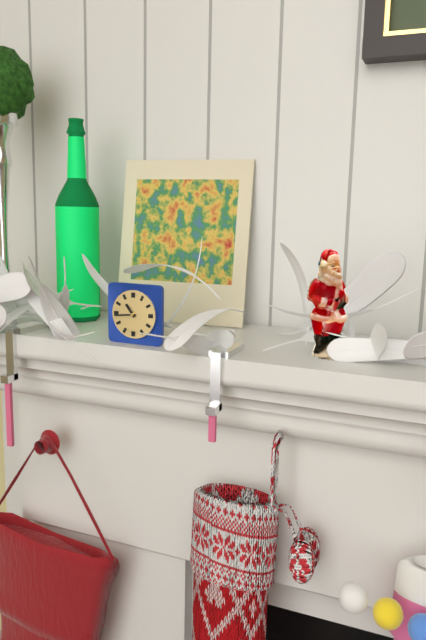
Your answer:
h=10 m=44
